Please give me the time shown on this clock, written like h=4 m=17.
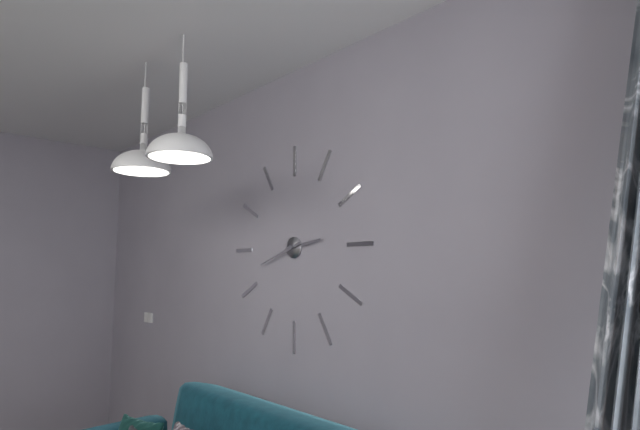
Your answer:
h=2 m=42
